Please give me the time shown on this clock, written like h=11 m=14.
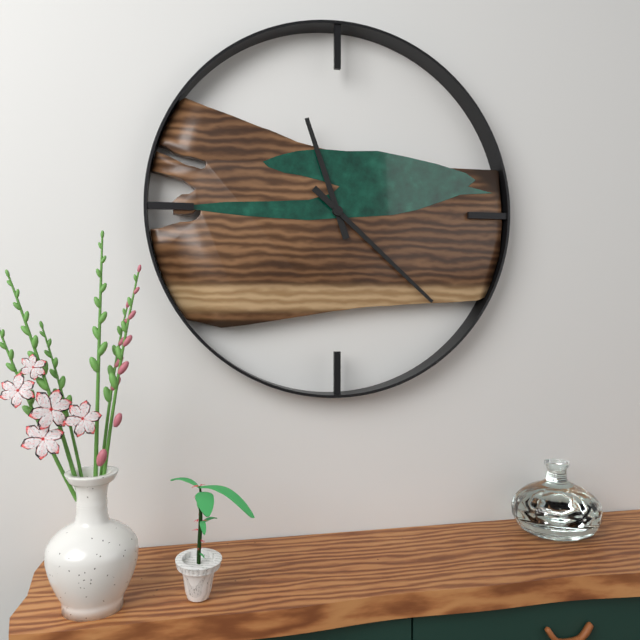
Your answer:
h=11 m=22
